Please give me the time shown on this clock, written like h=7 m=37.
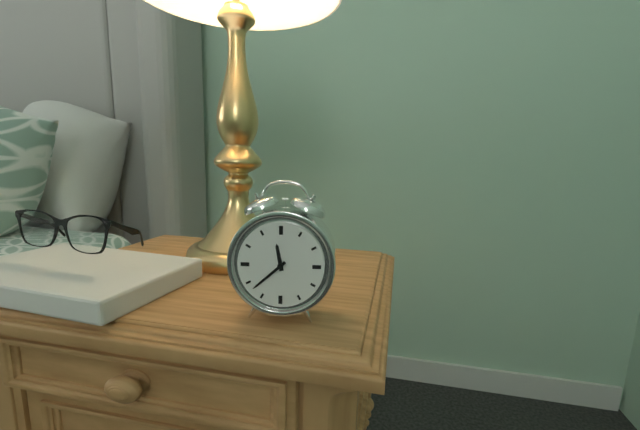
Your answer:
h=11 m=38
